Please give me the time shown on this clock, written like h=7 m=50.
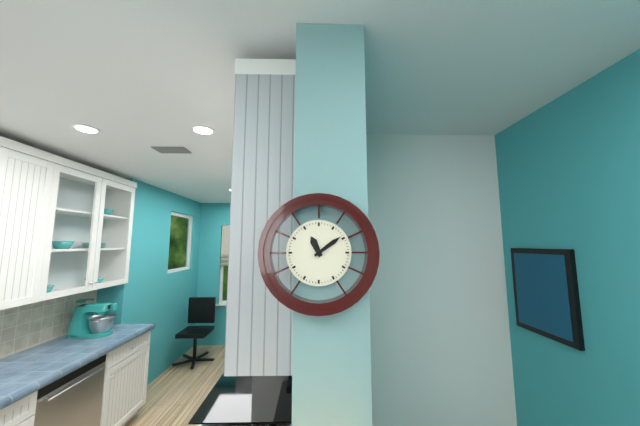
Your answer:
h=11 m=9
